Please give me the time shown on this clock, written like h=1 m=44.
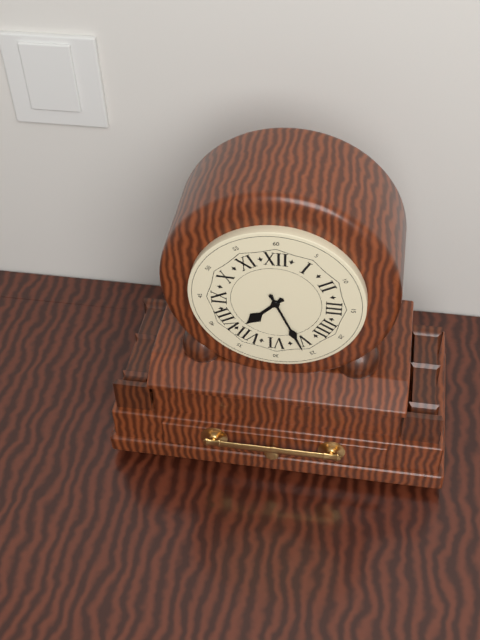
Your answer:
h=7 m=26
